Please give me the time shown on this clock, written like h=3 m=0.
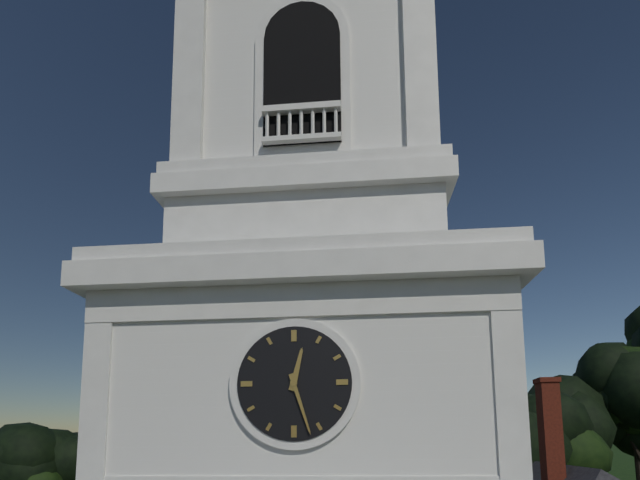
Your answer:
h=12 m=27
